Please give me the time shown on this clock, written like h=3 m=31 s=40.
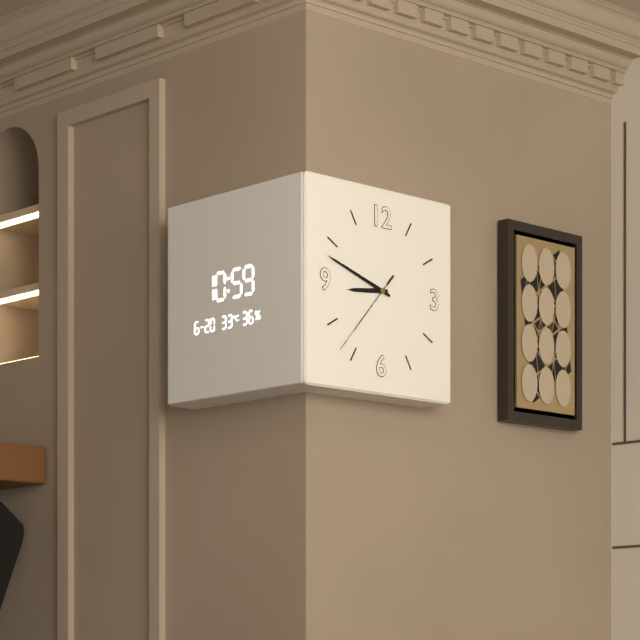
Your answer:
h=8 m=48 s=37
